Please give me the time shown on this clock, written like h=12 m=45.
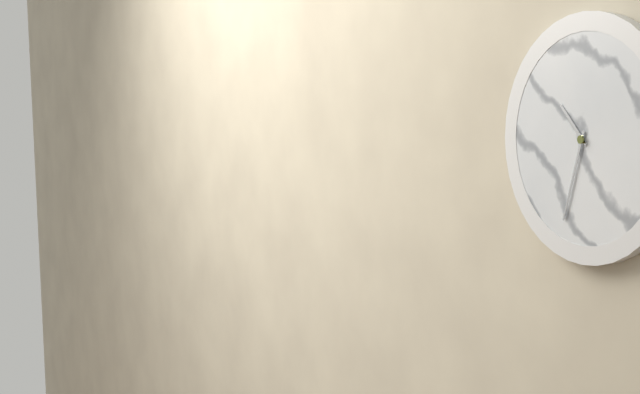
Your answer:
h=10 m=33
